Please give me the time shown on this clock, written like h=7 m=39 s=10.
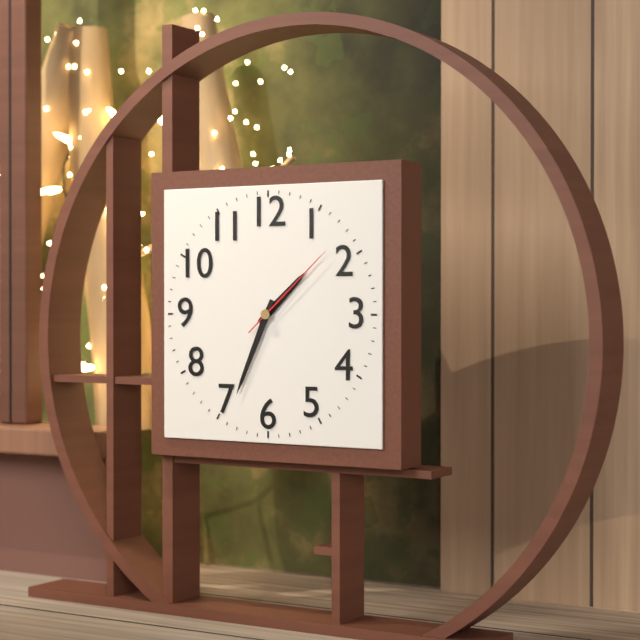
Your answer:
h=1 m=34 s=8
